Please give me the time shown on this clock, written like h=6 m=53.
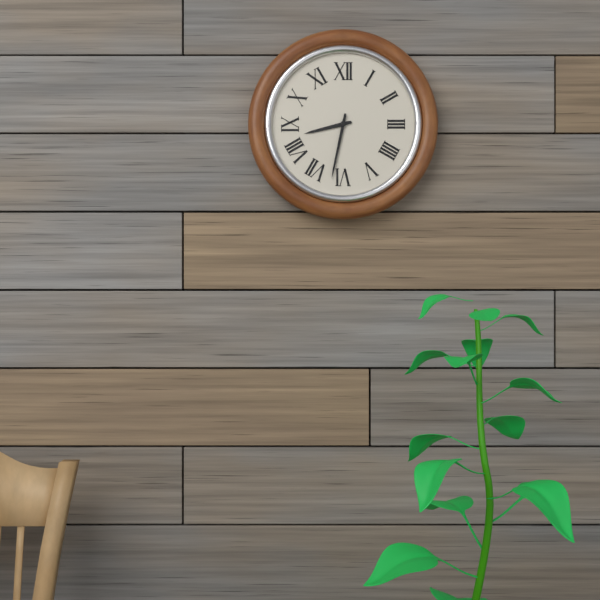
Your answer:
h=8 m=32
